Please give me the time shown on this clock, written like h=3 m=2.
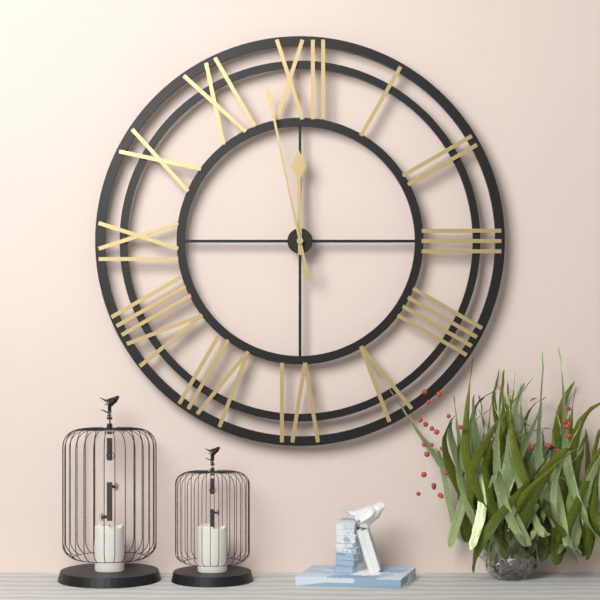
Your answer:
h=11 m=58
